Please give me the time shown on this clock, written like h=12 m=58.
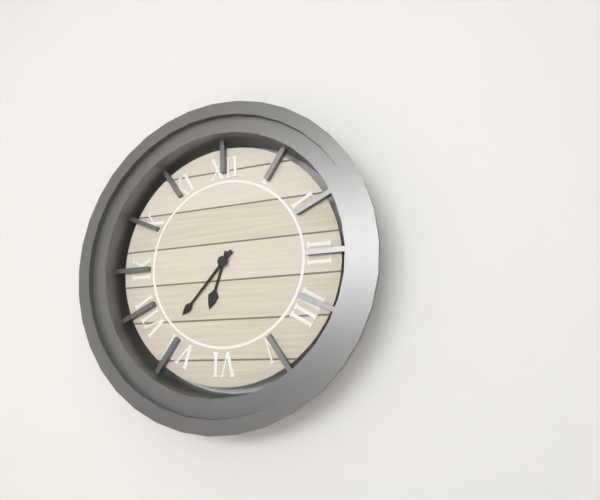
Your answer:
h=6 m=37
